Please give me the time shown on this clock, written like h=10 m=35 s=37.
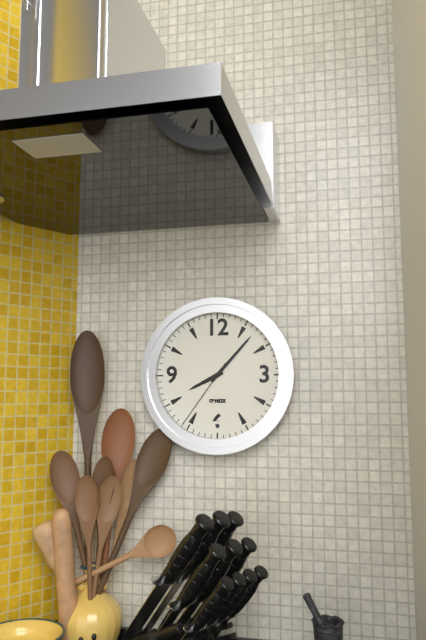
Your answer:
h=8 m=7 s=36
